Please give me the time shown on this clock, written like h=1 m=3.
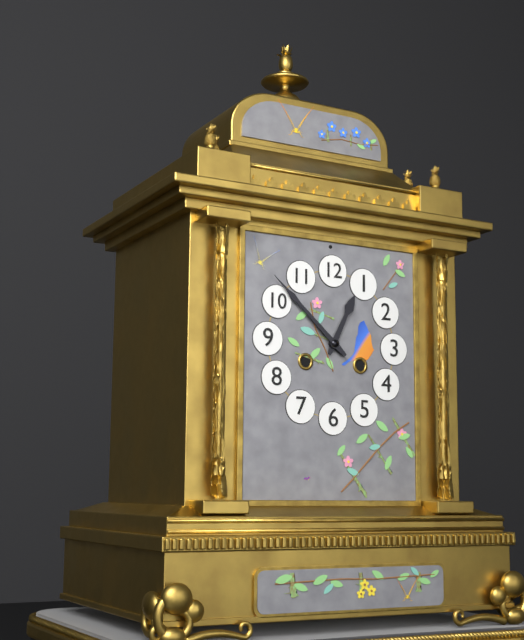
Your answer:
h=12 m=52
